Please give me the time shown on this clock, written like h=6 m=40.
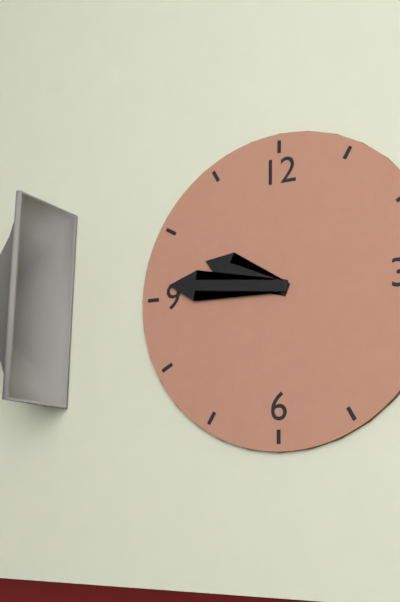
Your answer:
h=9 m=46
